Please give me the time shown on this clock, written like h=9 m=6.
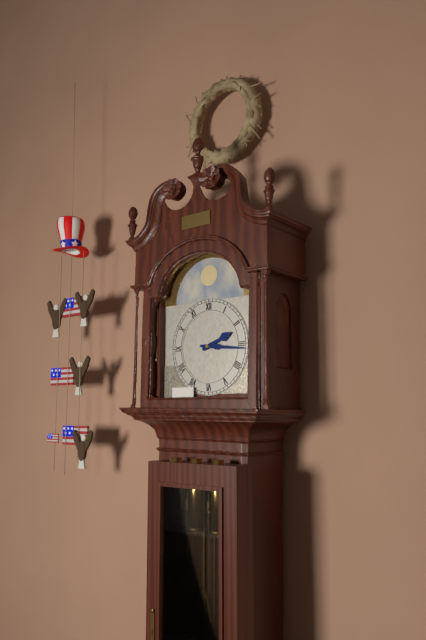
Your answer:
h=2 m=16
